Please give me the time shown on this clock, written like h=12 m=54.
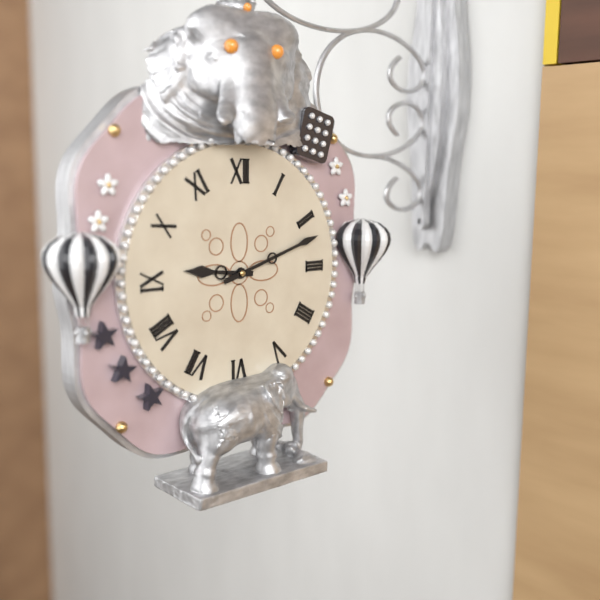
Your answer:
h=9 m=12
